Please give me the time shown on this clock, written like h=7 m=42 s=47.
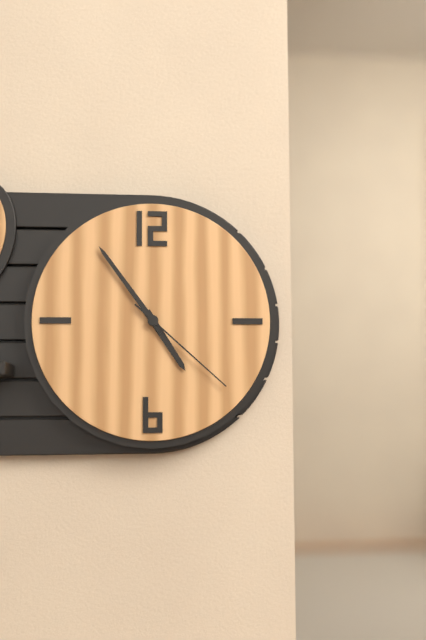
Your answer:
h=4 m=54 s=22
